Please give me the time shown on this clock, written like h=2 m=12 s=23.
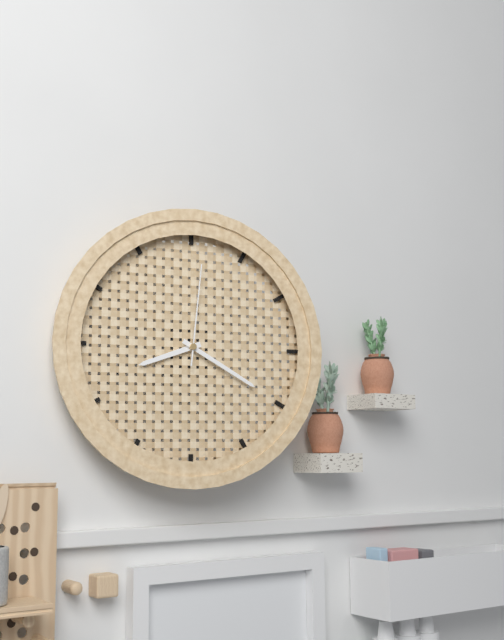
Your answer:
h=8 m=20 s=1
